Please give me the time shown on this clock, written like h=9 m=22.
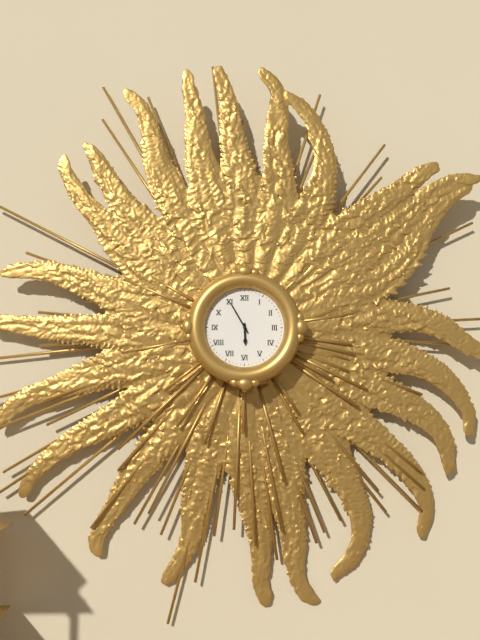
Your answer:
h=5 m=55
